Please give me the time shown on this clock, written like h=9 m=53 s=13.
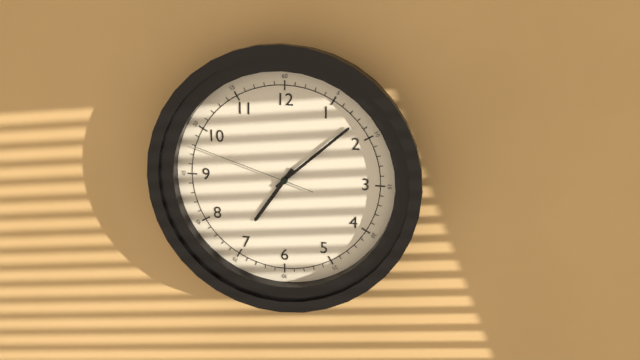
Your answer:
h=7 m=8 s=48
